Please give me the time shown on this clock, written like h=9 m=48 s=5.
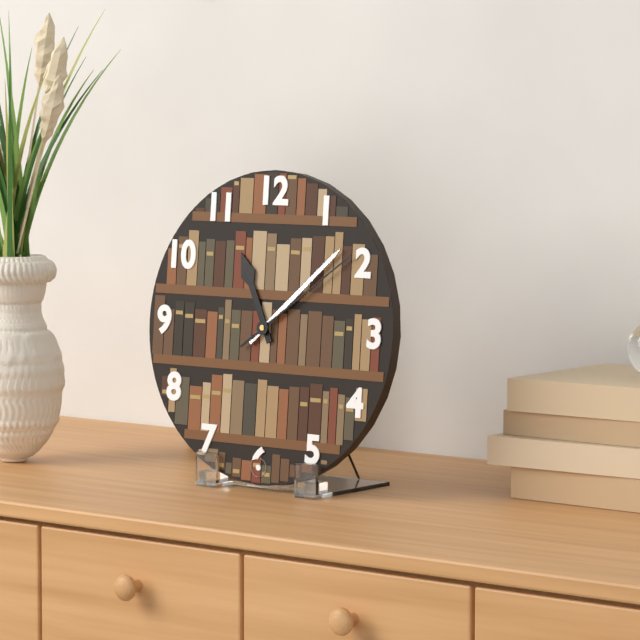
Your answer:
h=11 m=8 s=9
